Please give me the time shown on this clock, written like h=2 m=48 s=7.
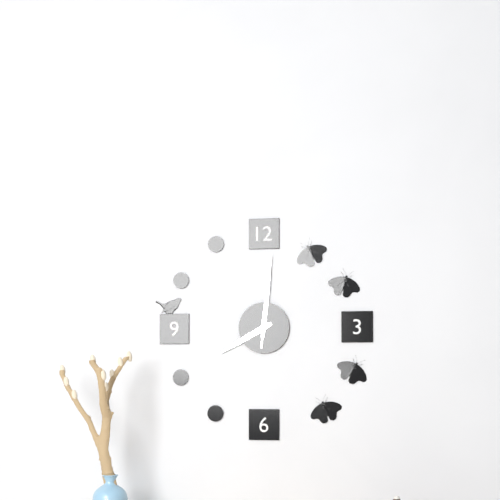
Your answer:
h=8 m=1 s=1
